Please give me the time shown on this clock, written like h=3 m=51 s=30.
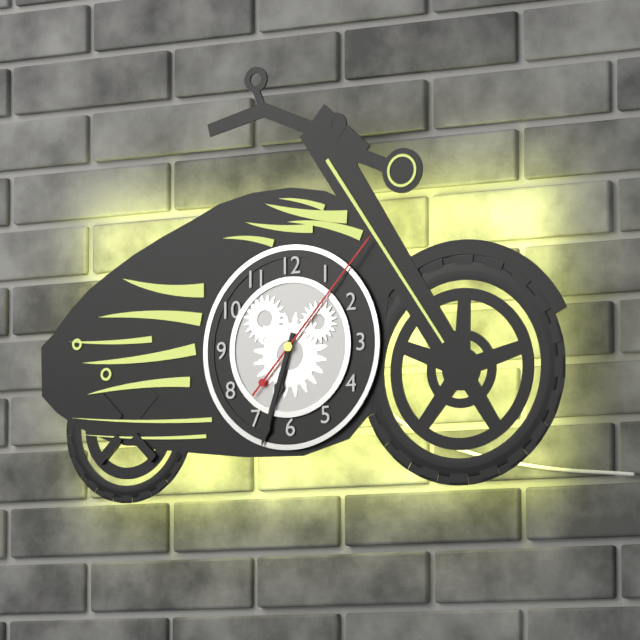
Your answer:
h=6 m=33 s=7
